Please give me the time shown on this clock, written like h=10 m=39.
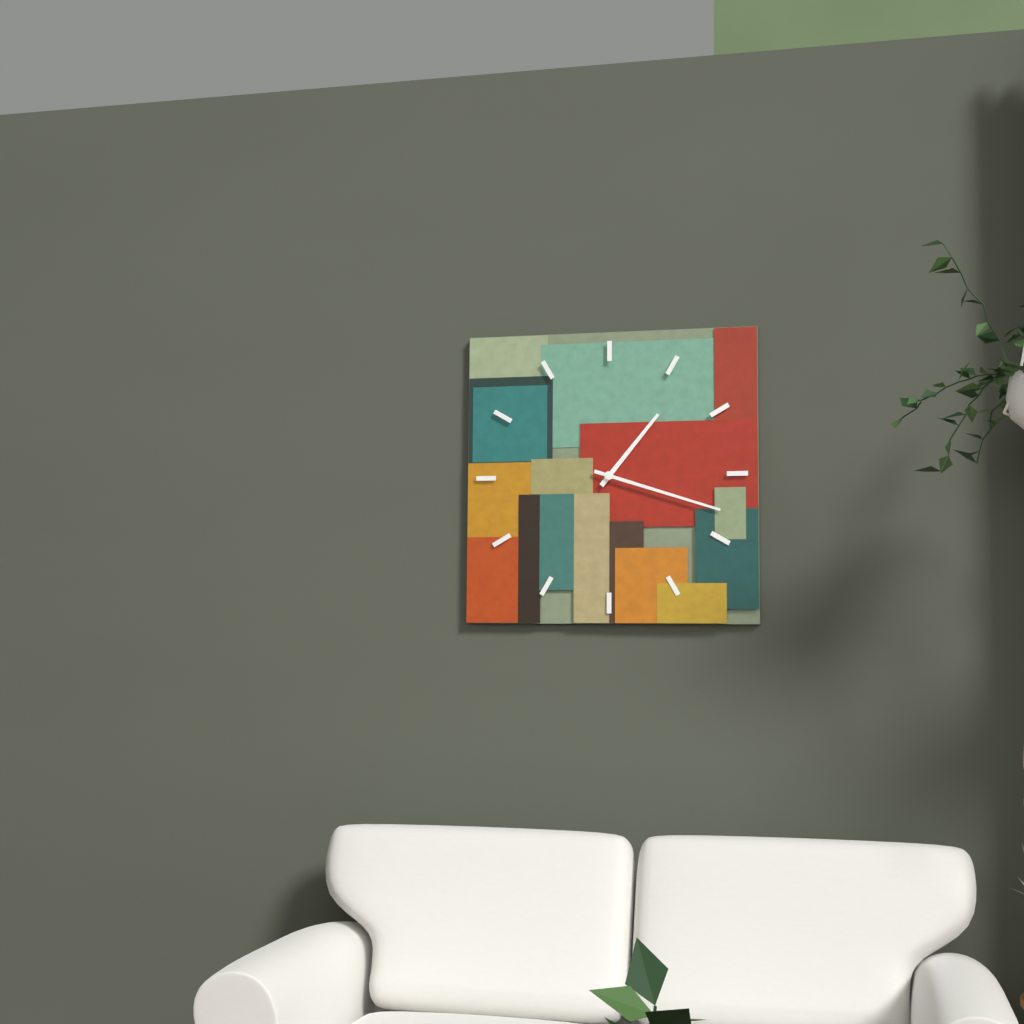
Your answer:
h=1 m=18
